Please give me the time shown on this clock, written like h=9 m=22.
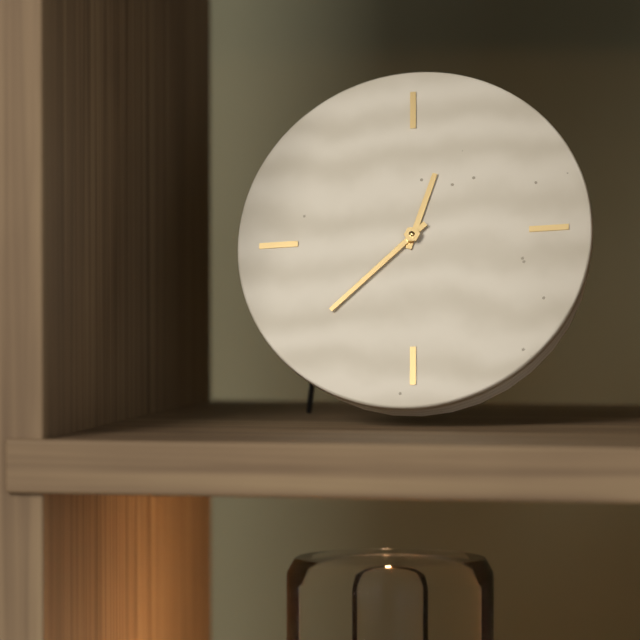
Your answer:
h=12 m=38
